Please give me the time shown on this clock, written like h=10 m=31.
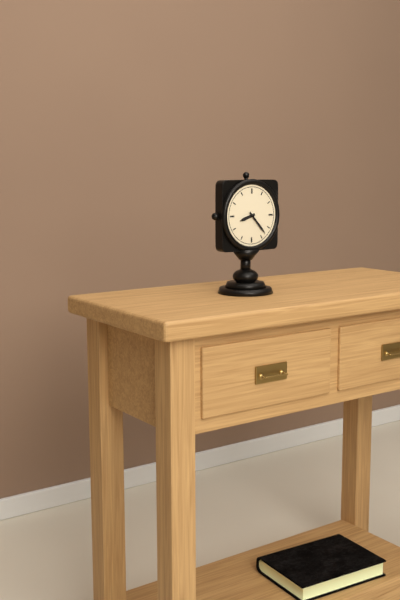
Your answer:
h=8 m=23
